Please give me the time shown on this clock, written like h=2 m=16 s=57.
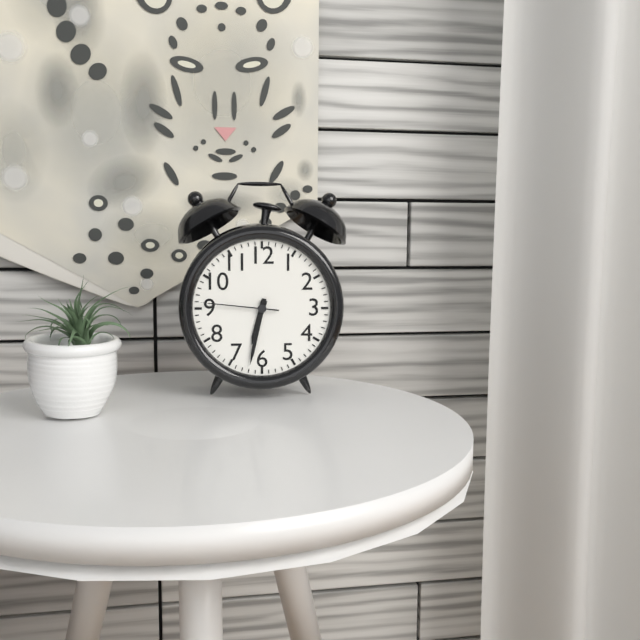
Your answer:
h=6 m=32 s=46
